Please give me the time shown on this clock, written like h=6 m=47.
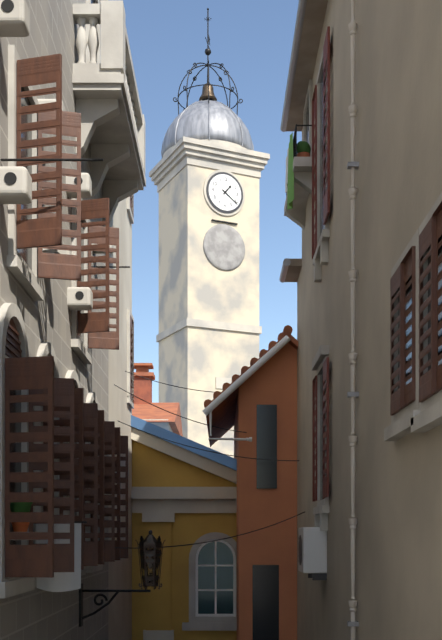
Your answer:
h=1 m=21
